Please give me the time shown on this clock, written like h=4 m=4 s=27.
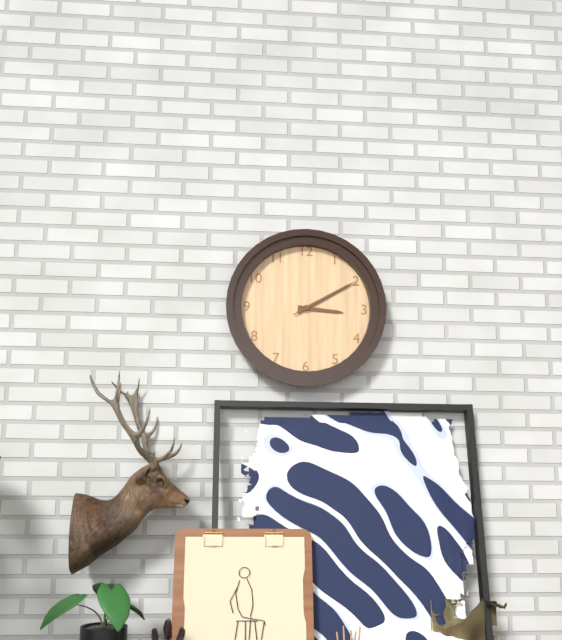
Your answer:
h=3 m=10 s=10
